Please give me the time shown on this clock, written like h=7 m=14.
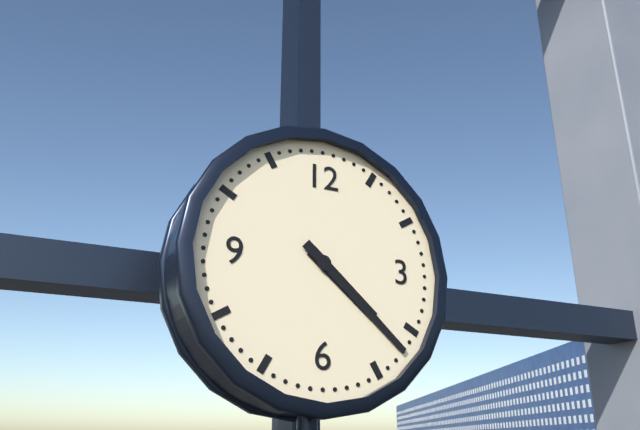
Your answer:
h=4 m=22
